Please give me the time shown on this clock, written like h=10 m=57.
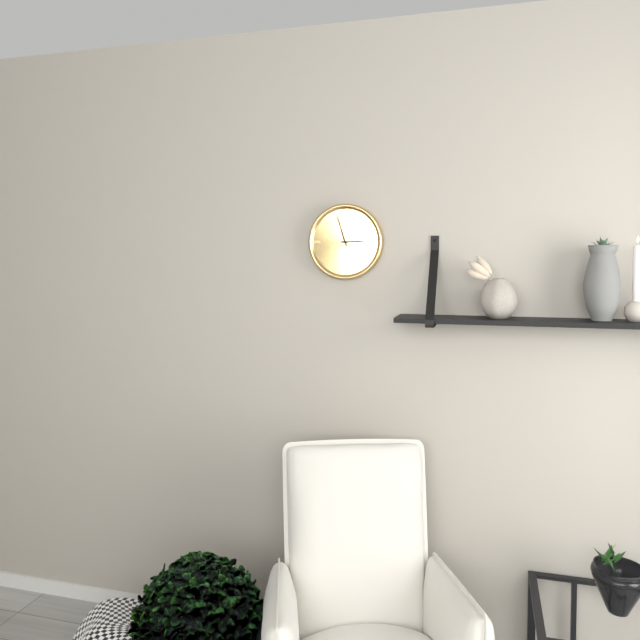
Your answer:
h=2 m=57
